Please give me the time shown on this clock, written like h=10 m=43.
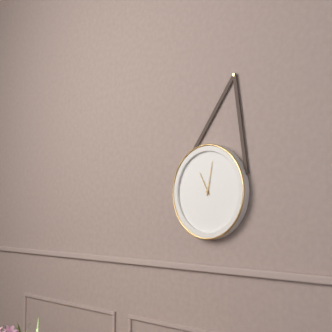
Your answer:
h=11 m=2
